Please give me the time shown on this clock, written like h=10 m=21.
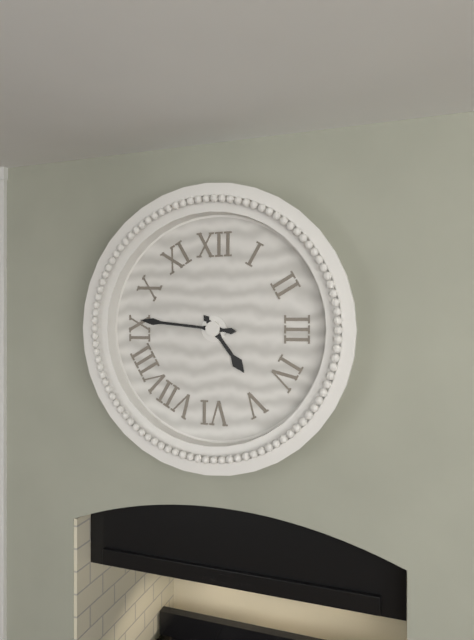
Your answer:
h=4 m=46
